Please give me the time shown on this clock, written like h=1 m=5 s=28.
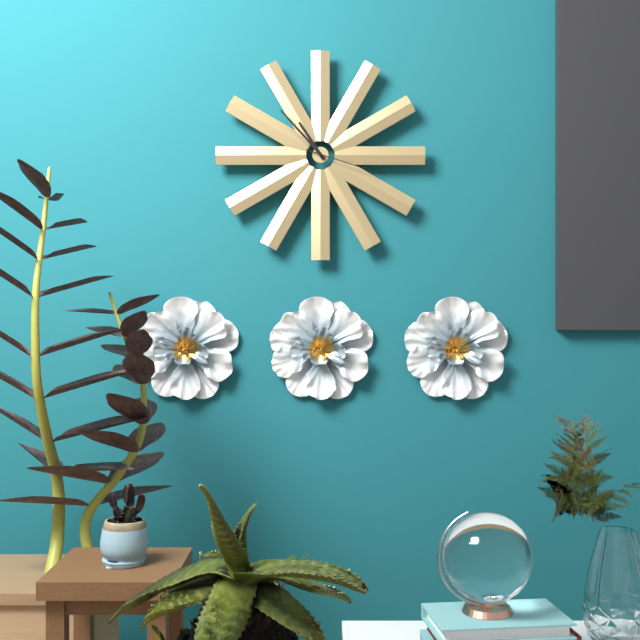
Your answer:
h=10 m=53 s=18
